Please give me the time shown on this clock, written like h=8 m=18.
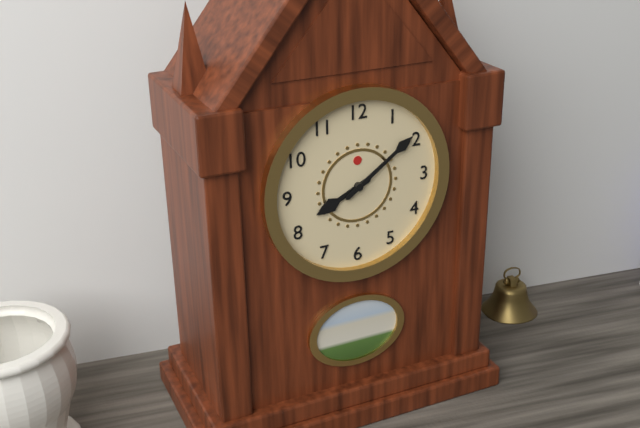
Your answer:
h=8 m=9
